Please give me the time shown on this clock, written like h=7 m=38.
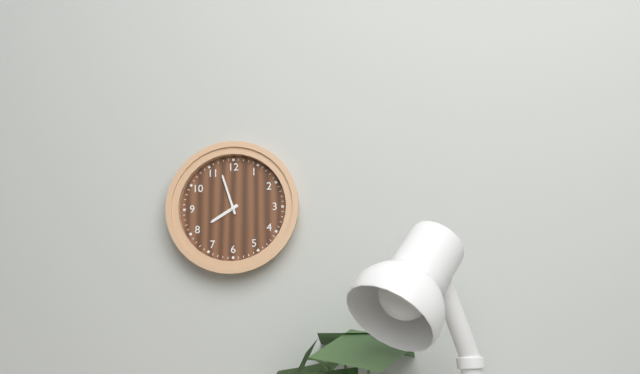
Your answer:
h=7 m=57
